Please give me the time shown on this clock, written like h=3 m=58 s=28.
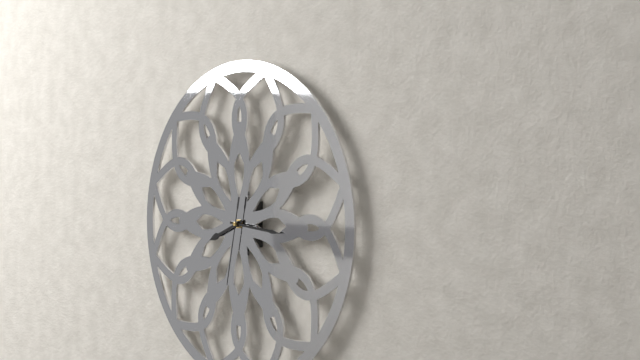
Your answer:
h=8 m=16 s=32
